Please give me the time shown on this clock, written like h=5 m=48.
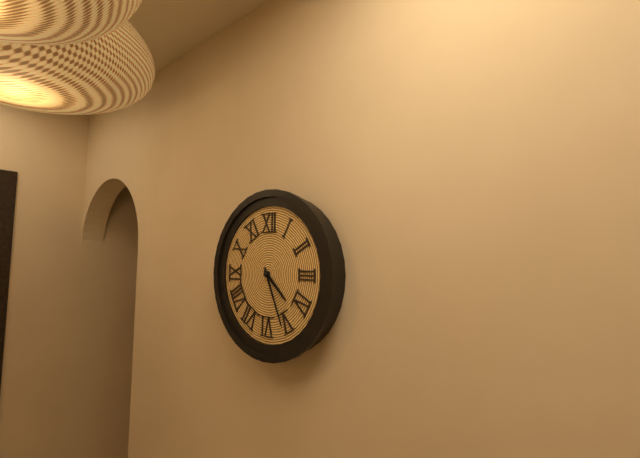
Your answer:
h=4 m=26
